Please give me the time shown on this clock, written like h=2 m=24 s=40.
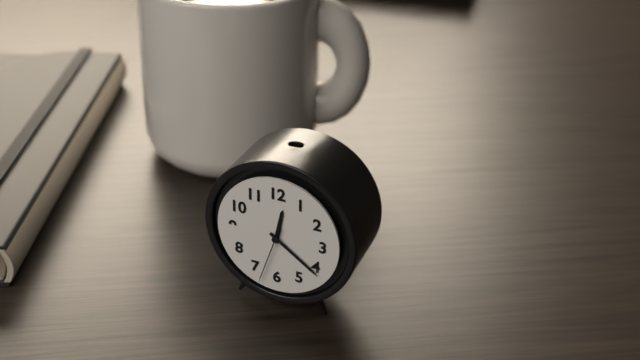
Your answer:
h=12 m=21 s=33
